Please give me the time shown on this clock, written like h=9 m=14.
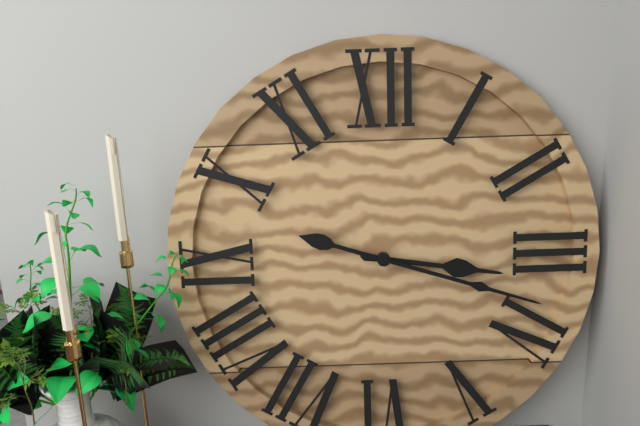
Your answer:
h=3 m=18
